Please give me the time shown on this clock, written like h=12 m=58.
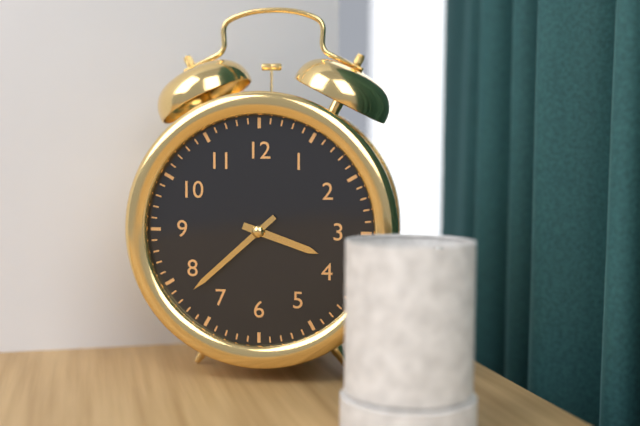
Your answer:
h=3 m=38
